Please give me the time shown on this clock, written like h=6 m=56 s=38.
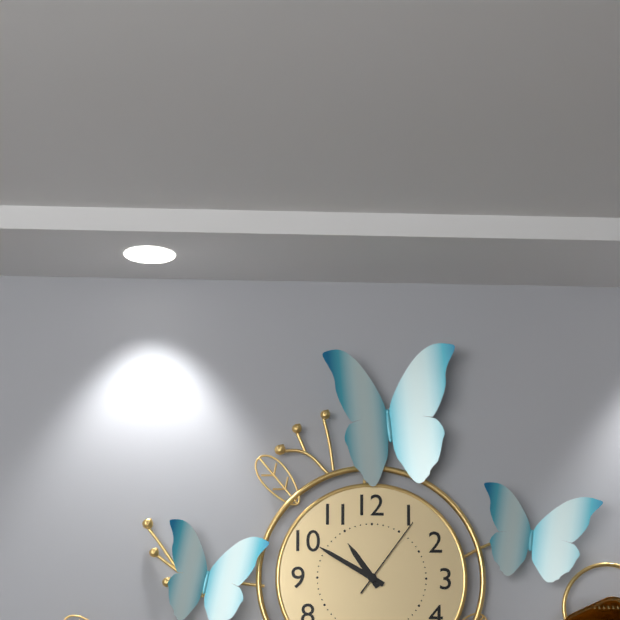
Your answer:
h=10 m=50 s=6
